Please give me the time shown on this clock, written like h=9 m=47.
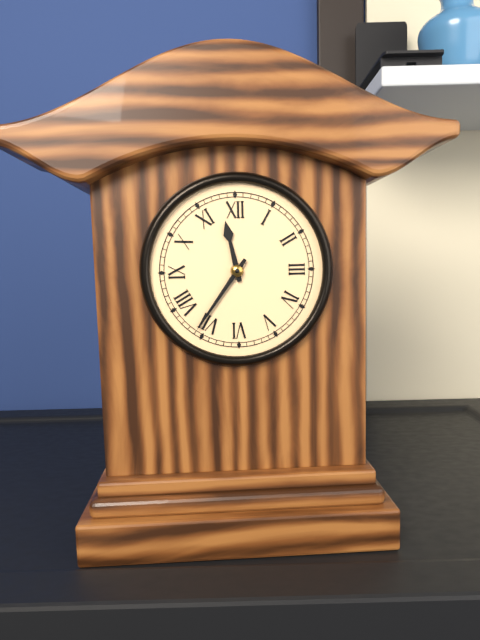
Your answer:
h=11 m=36
